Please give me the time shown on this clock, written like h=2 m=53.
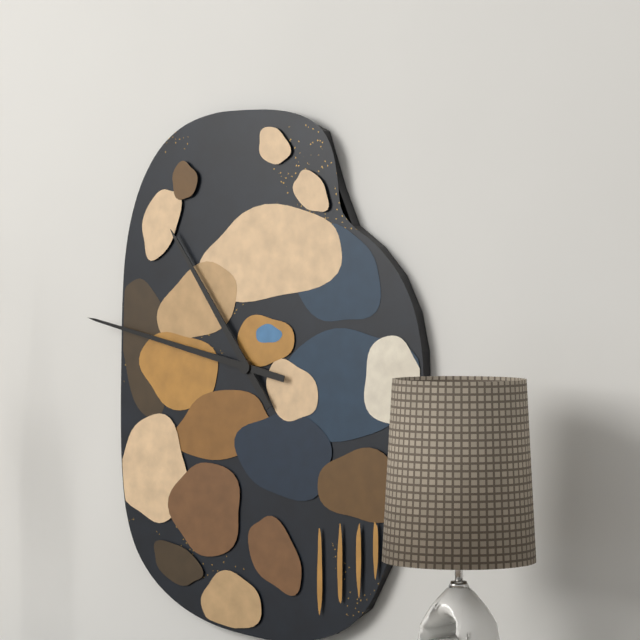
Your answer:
h=10 m=47
